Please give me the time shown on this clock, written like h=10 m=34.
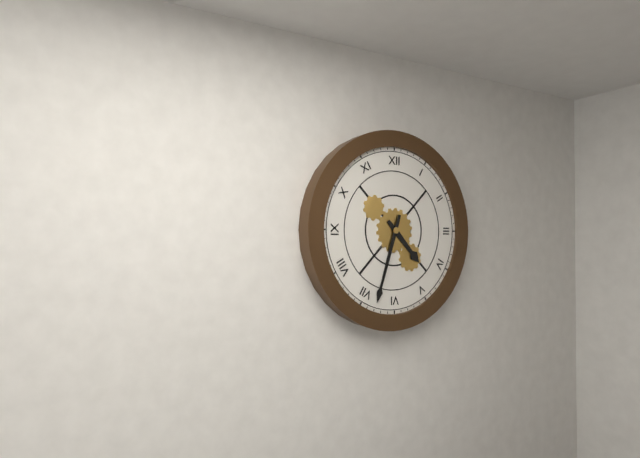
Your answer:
h=4 m=33
